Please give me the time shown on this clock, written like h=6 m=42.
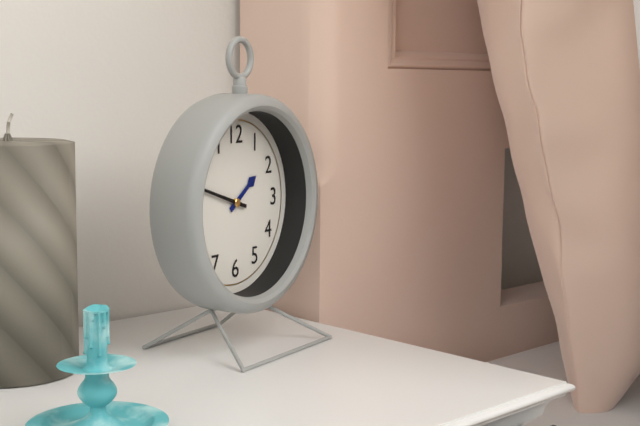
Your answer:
h=1 m=48
